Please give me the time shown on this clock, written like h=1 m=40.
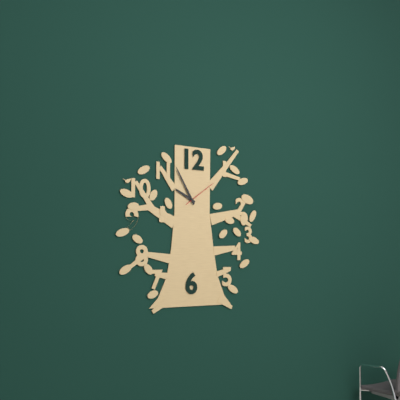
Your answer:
h=9 m=55
